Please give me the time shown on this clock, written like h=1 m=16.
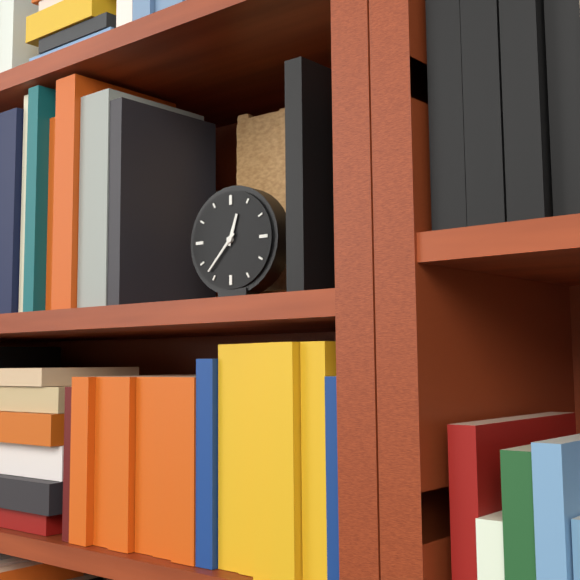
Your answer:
h=12 m=37
